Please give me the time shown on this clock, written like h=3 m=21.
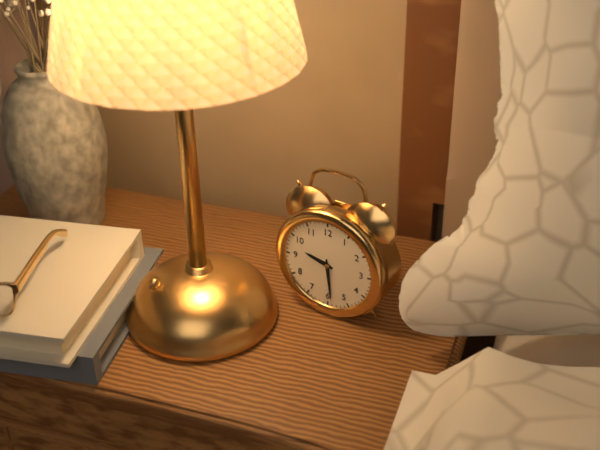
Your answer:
h=9 m=29
